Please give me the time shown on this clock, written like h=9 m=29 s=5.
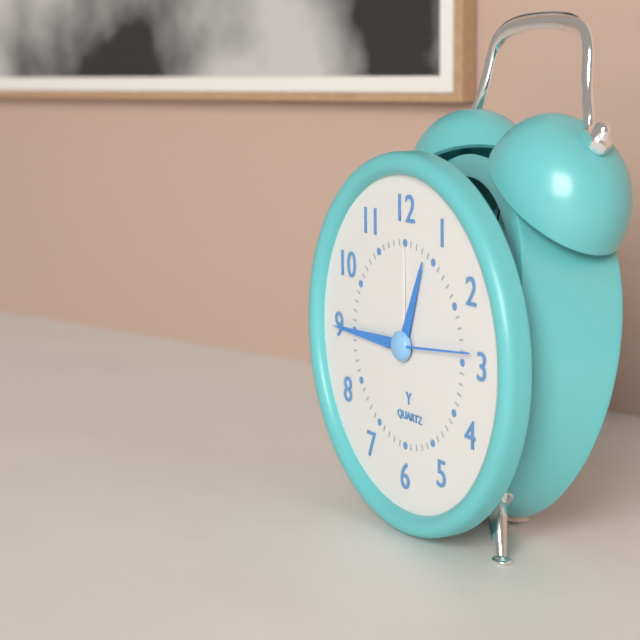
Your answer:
h=12 m=45 s=14
